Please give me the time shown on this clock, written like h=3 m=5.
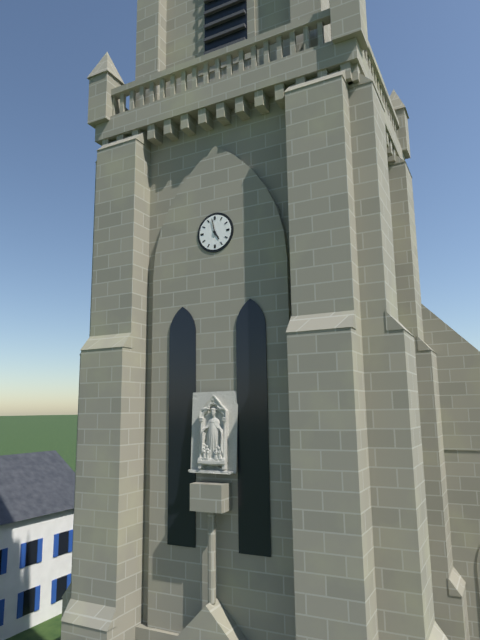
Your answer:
h=4 m=58
